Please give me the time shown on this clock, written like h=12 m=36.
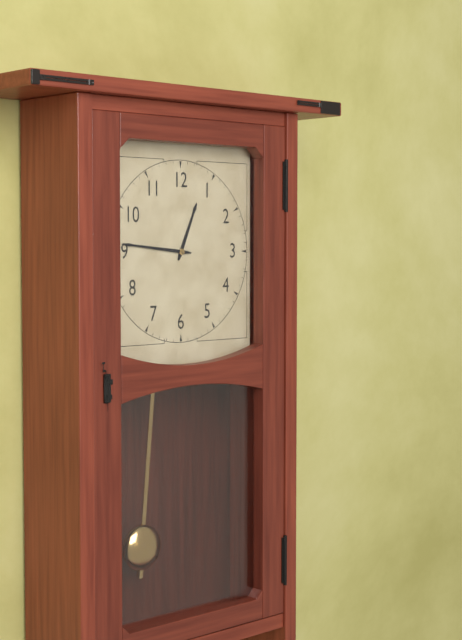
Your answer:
h=12 m=46
